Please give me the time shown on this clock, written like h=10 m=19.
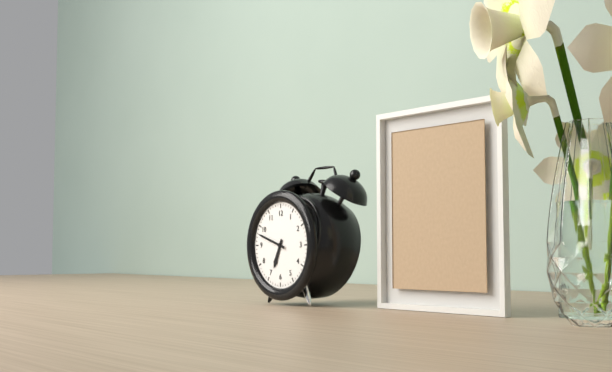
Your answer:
h=6 m=48
